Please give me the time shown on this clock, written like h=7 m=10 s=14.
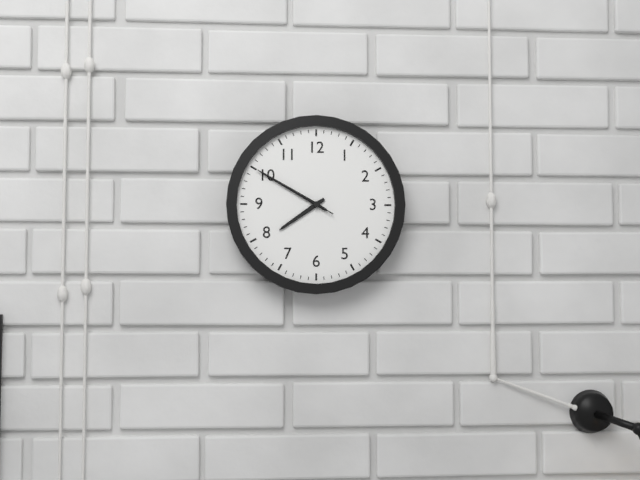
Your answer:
h=7 m=50 s=50
